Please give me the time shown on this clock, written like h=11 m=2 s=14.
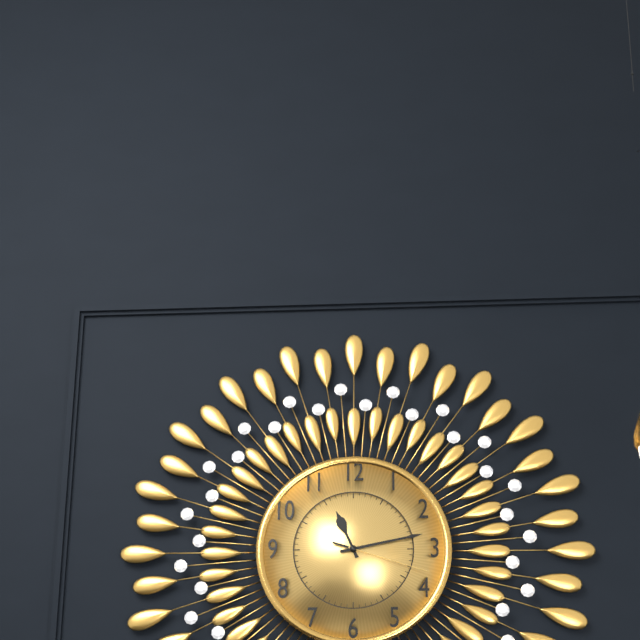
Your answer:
h=11 m=13 s=18
